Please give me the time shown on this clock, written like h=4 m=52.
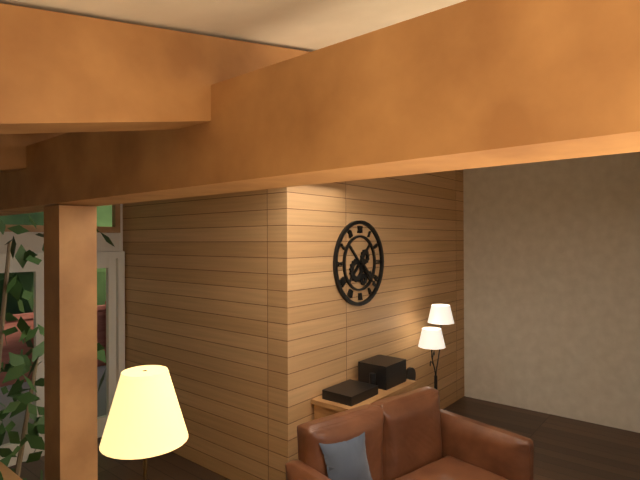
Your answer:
h=4 m=23
